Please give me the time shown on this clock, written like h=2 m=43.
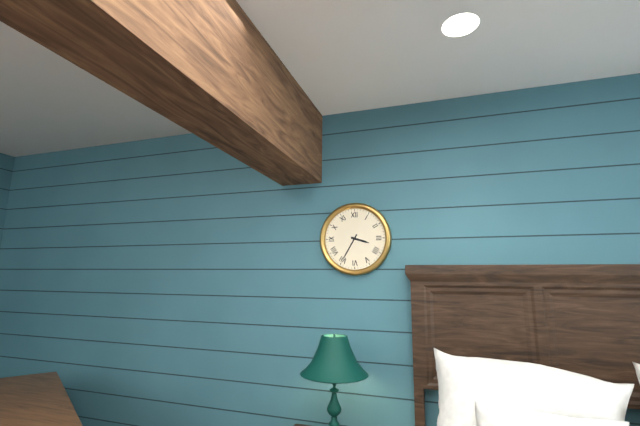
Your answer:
h=3 m=35
